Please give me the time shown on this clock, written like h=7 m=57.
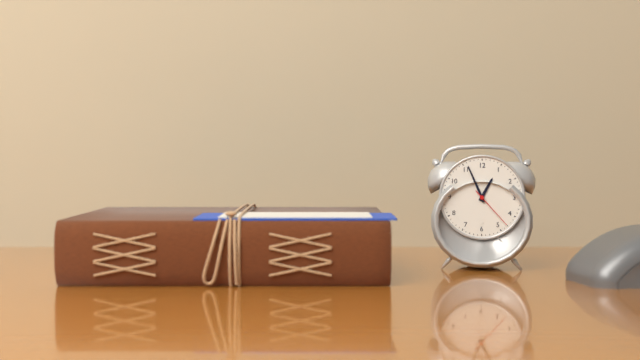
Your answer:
h=12 m=56
